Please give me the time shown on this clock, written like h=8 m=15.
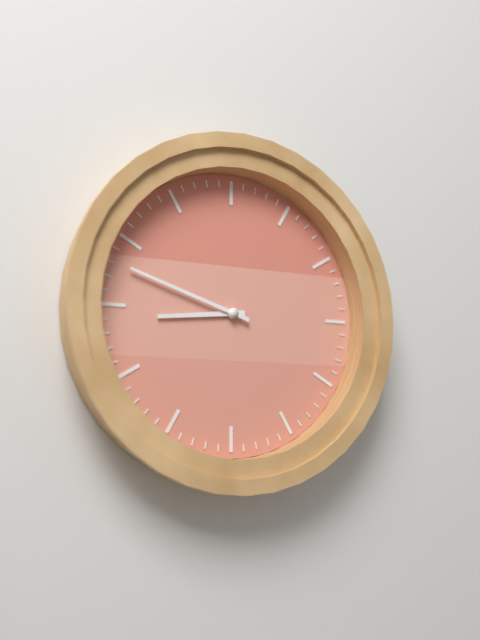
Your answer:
h=8 m=48
